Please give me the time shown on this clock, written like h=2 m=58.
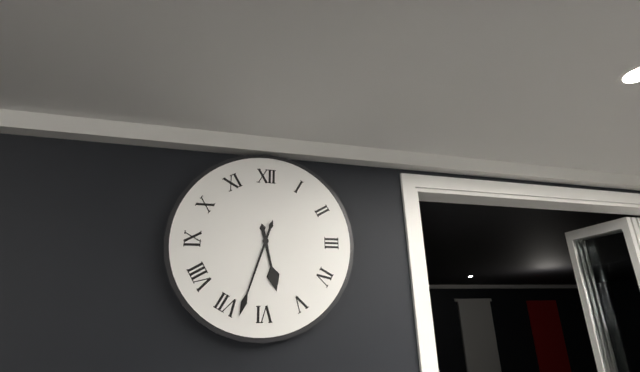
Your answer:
h=5 m=33
